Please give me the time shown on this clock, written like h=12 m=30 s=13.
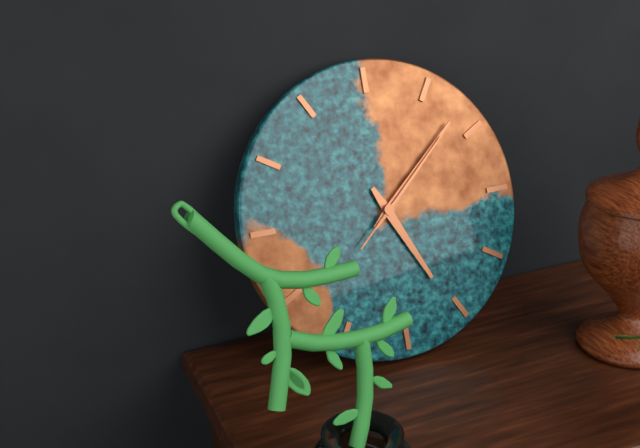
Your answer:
h=5 m=8 s=8
